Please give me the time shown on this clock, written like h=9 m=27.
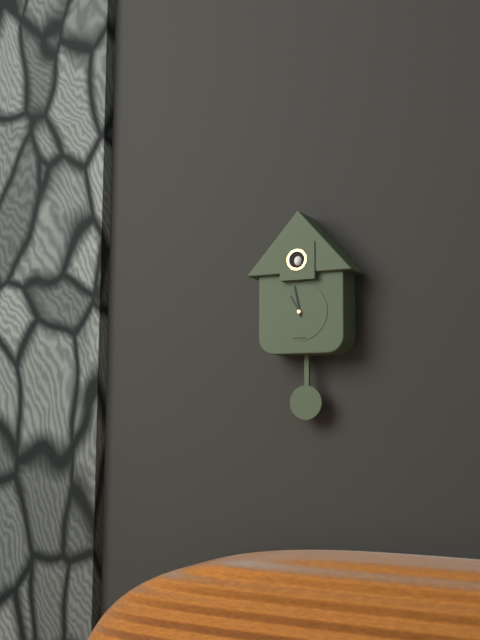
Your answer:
h=10 m=58
